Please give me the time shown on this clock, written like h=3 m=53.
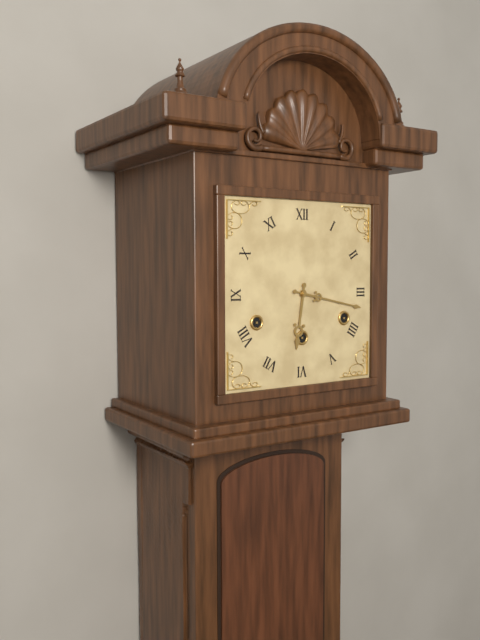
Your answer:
h=6 m=17
